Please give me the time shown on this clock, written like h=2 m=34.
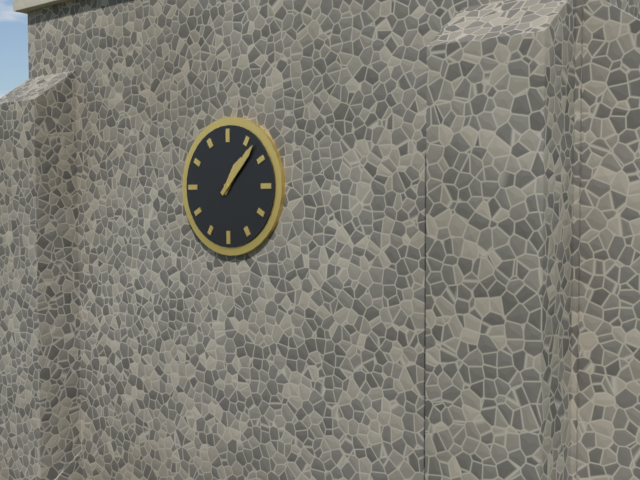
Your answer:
h=1 m=7
